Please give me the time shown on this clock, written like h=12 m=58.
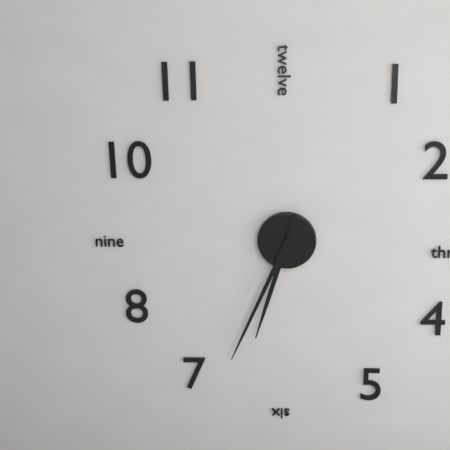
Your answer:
h=6 m=34
